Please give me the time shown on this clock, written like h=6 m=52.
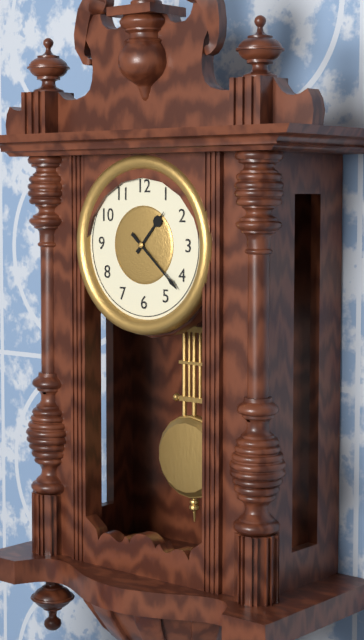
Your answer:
h=1 m=22
